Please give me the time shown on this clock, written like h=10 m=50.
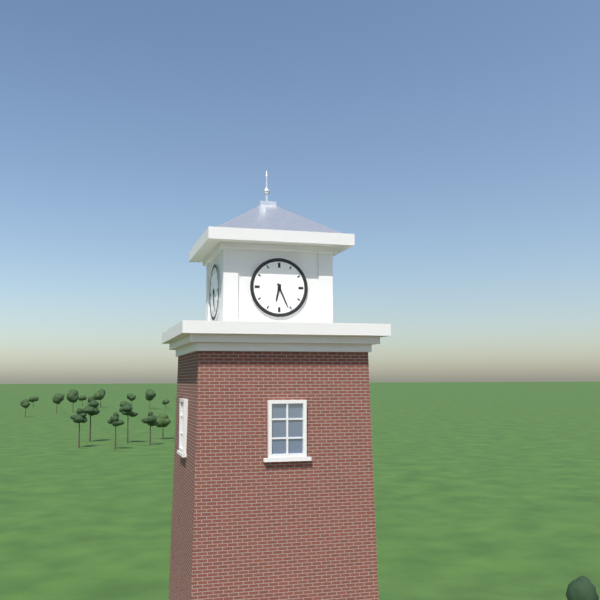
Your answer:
h=6 m=26
